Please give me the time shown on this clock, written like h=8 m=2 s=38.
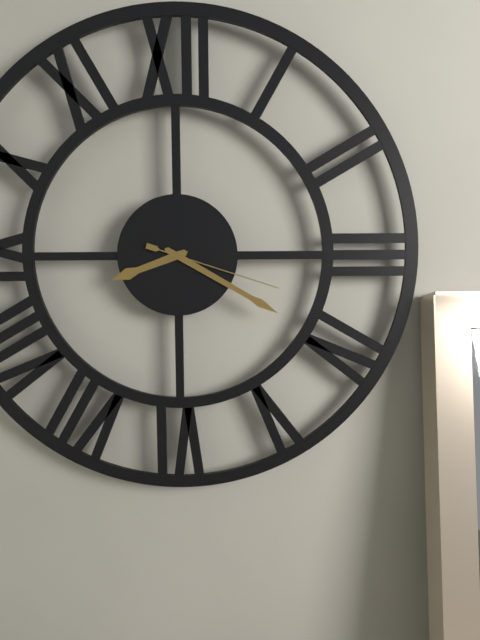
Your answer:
h=8 m=20 s=18
